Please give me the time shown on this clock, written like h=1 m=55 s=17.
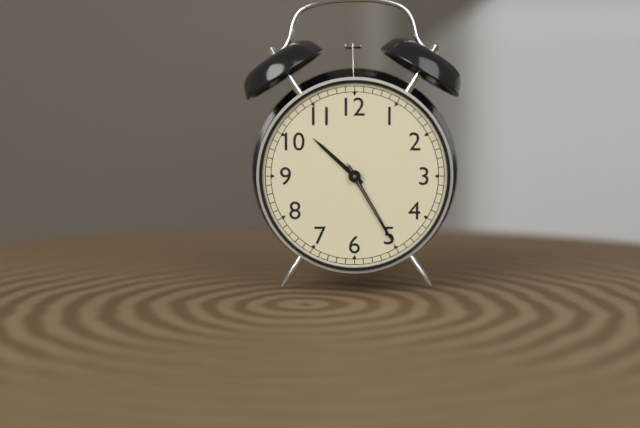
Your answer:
h=10 m=25 s=25
